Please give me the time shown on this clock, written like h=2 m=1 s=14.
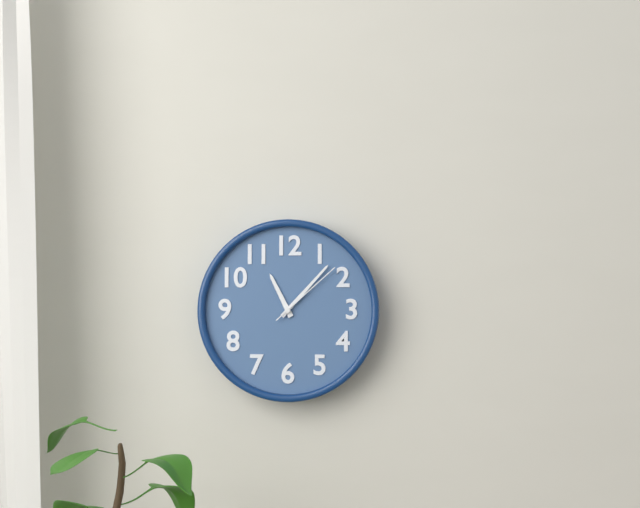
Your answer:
h=11 m=7 s=8
